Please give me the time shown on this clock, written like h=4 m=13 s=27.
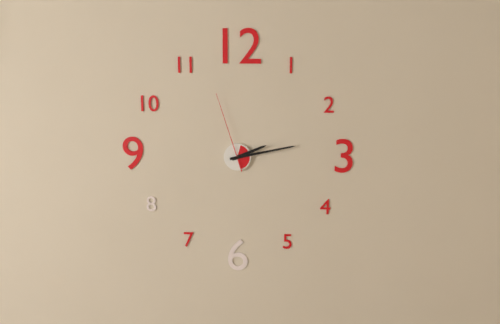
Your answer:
h=2 m=13 s=57
